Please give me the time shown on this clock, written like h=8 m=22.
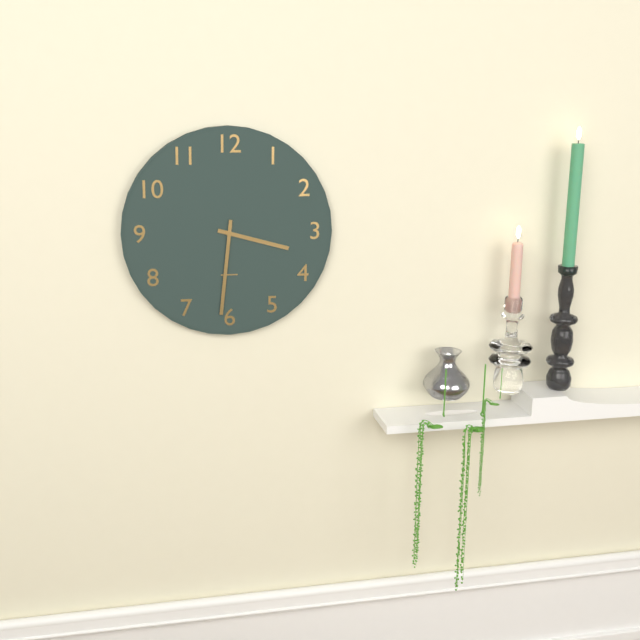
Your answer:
h=3 m=31
